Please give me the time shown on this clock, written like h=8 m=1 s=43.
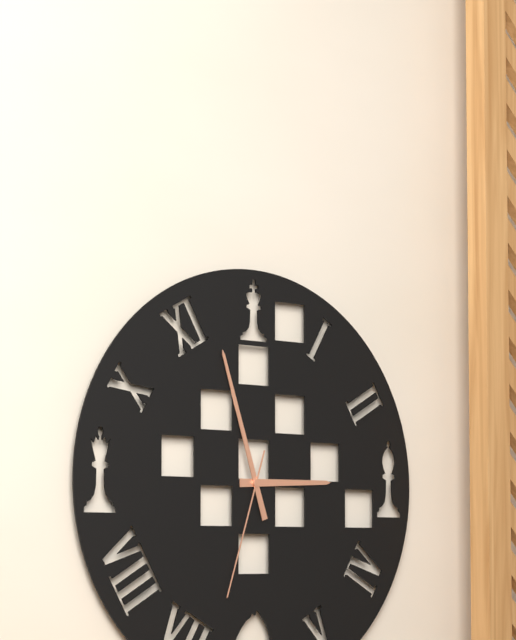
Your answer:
h=2 m=57 s=33
